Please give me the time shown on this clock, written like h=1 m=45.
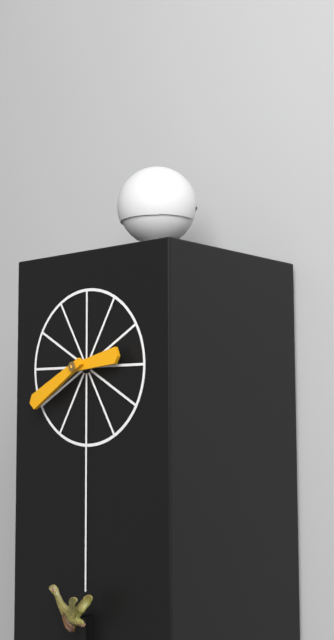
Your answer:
h=2 m=40
